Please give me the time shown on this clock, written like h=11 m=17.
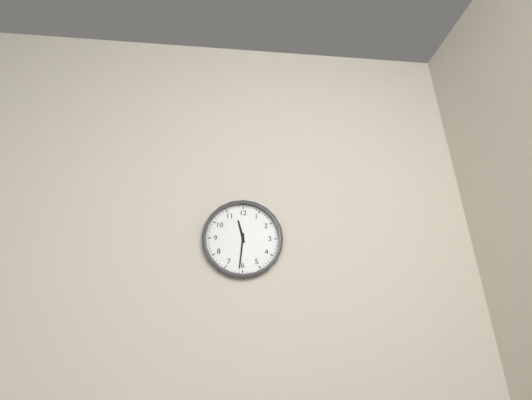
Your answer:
h=11 m=31
